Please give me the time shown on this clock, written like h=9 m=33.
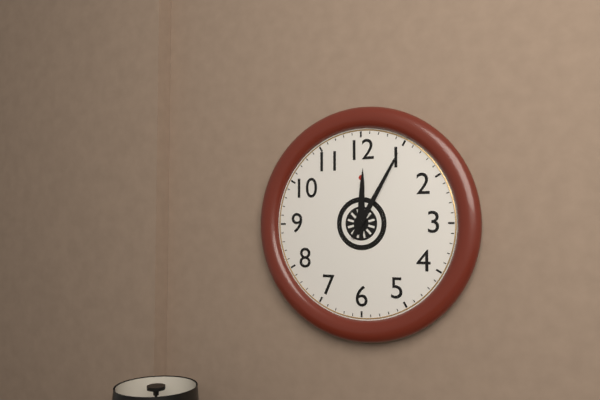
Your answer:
h=12 m=5
